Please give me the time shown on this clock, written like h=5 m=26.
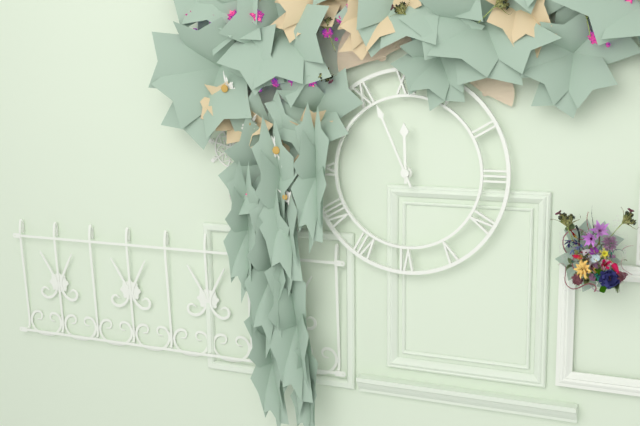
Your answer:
h=11 m=56
